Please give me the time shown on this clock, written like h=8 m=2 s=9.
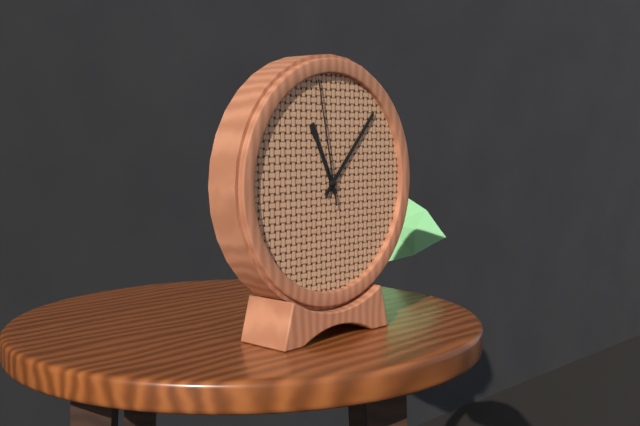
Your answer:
h=11 m=7 s=58
